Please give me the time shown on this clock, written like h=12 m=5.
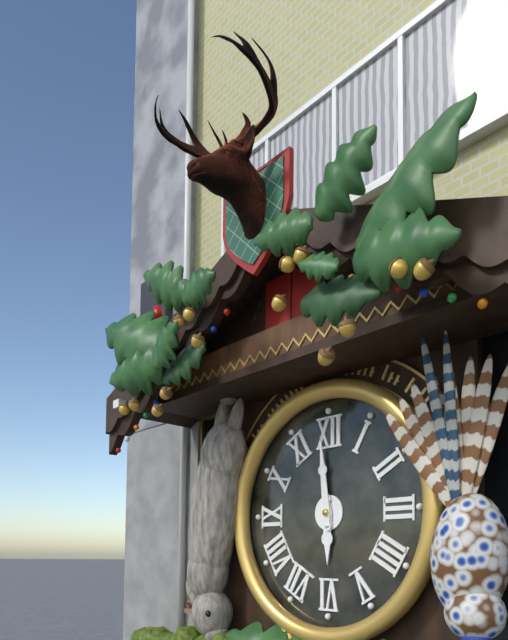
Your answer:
h=5 m=59
